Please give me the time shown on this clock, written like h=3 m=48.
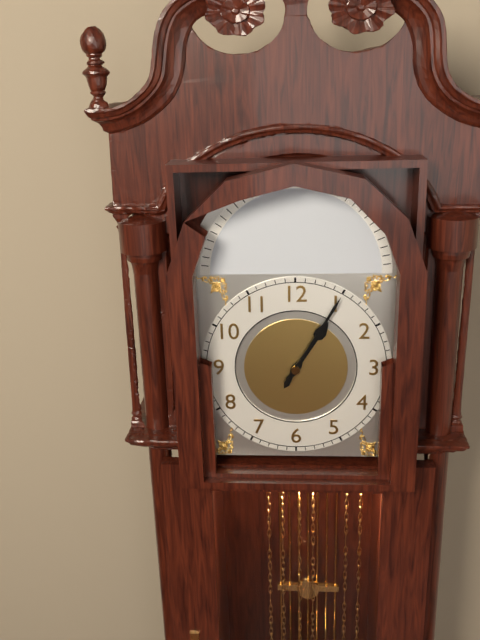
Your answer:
h=1 m=5
